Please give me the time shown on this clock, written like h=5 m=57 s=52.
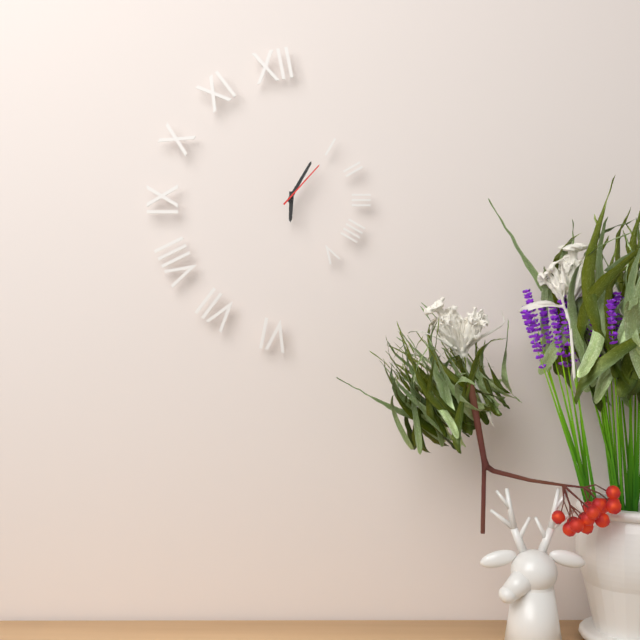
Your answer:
h=6 m=5 s=7
